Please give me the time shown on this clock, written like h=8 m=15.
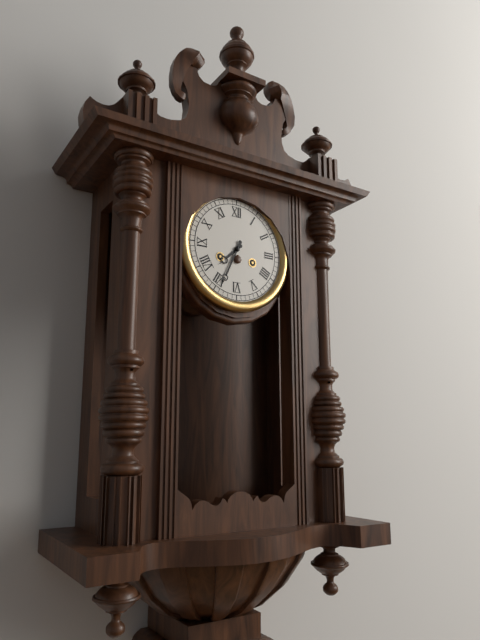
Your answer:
h=7 m=34
